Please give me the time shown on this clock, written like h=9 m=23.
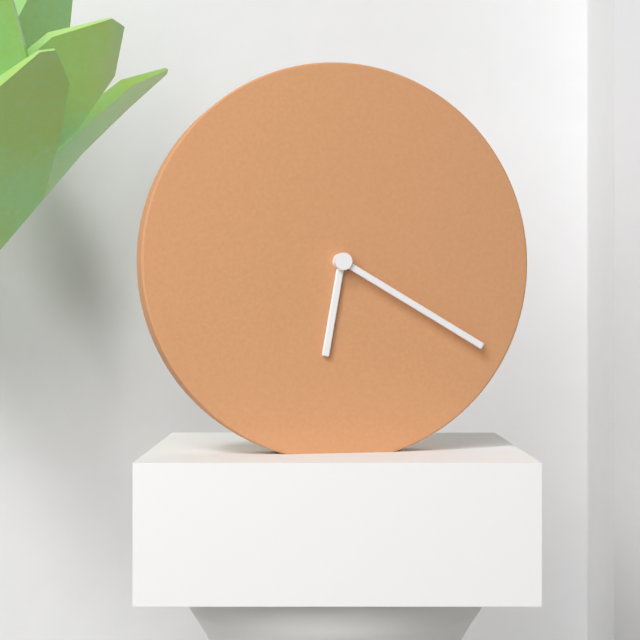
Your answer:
h=6 m=20
